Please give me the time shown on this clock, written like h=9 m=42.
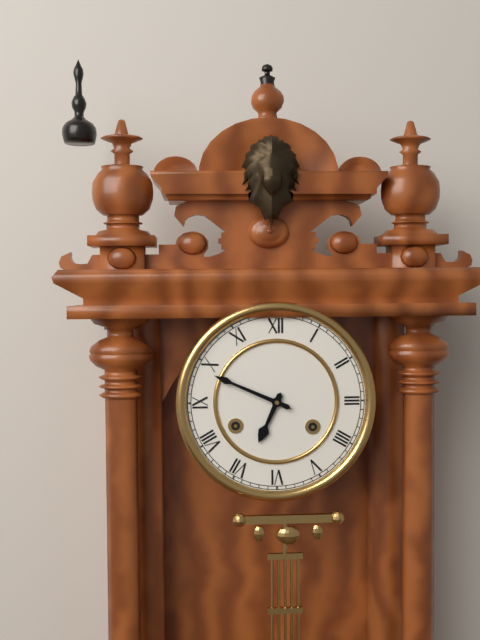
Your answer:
h=6 m=49
